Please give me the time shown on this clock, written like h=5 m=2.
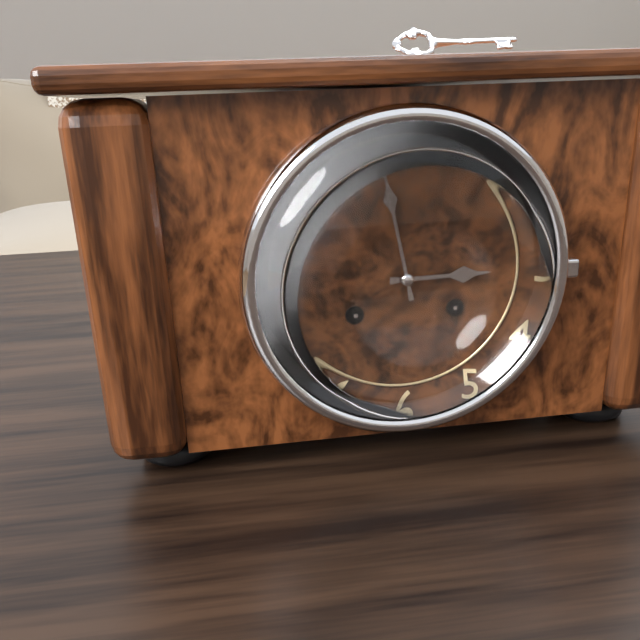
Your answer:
h=2 m=58
